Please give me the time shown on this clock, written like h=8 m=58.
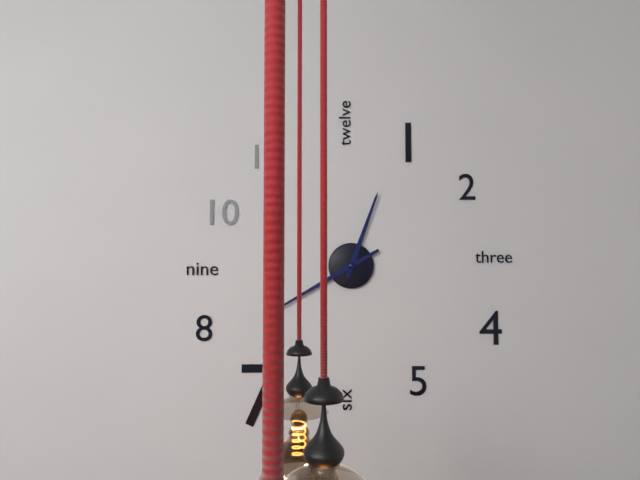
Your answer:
h=12 m=40
